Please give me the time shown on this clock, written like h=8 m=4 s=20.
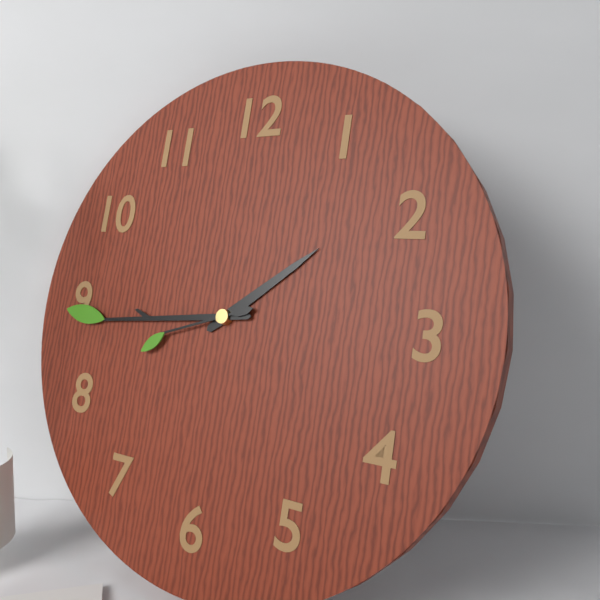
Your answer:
h=1 m=44 s=42
